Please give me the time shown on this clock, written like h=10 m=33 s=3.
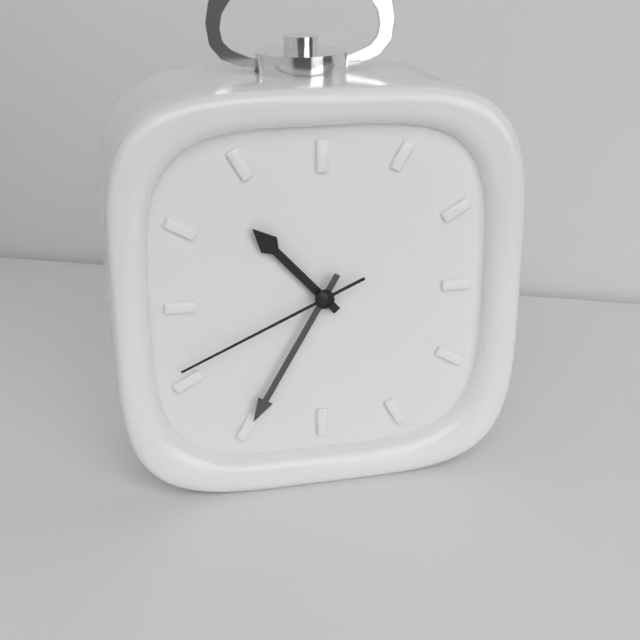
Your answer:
h=10 m=35 s=41
